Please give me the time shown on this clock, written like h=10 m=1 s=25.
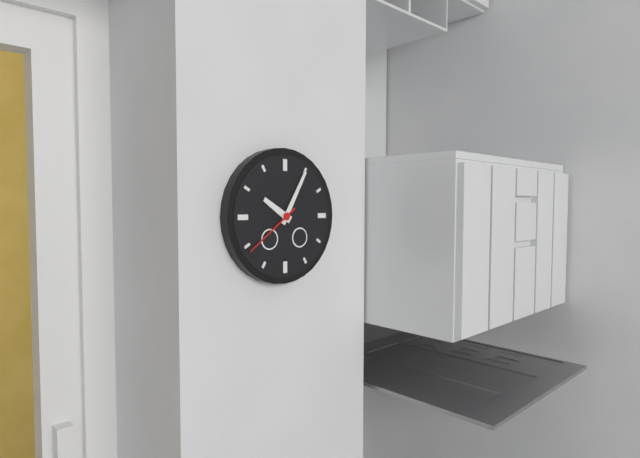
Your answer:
h=10 m=5 s=39
